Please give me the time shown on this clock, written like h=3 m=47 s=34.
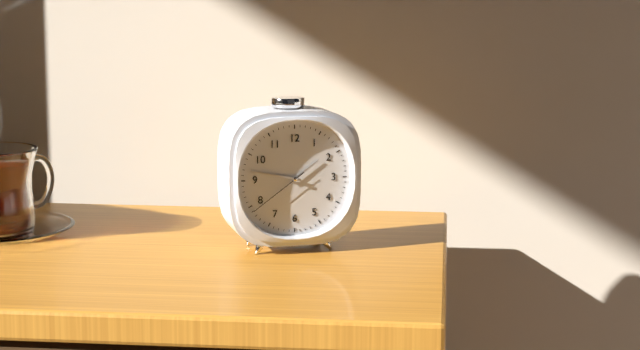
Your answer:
h=1 m=47 s=39
